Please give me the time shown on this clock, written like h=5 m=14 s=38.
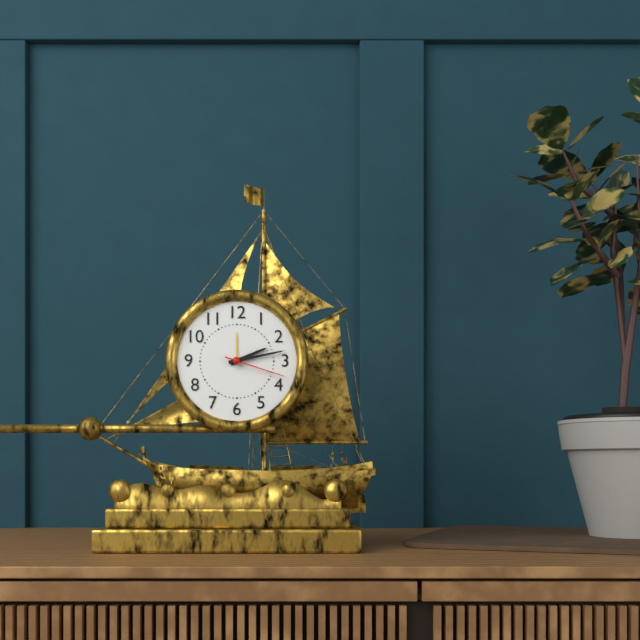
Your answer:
h=2 m=13 s=18
